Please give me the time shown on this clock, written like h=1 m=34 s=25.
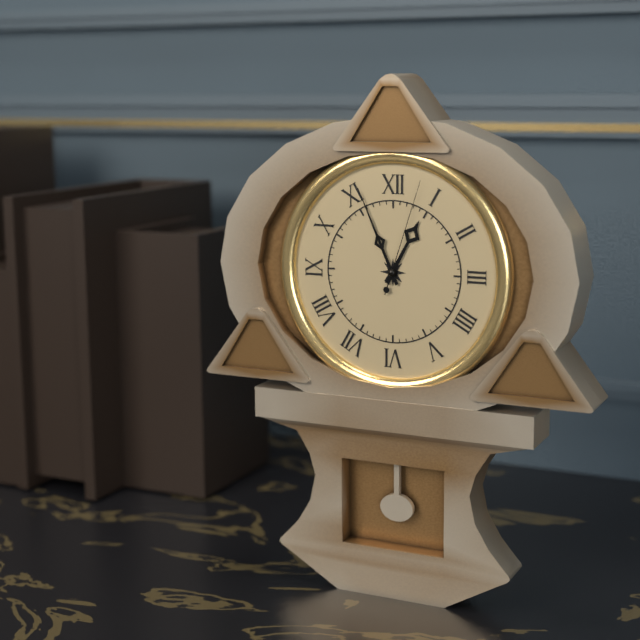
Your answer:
h=12 m=56 s=3
